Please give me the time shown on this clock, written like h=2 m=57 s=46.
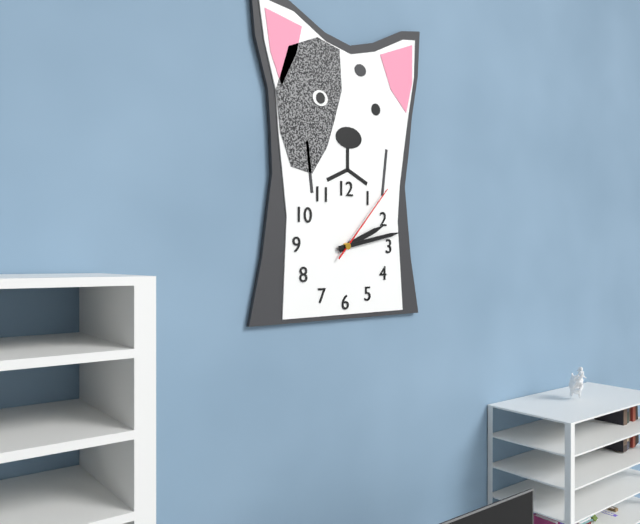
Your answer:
h=2 m=13 s=7
